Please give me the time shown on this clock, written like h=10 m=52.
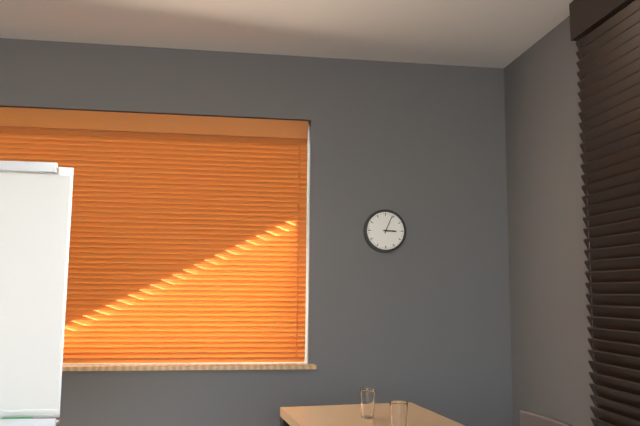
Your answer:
h=3 m=4
